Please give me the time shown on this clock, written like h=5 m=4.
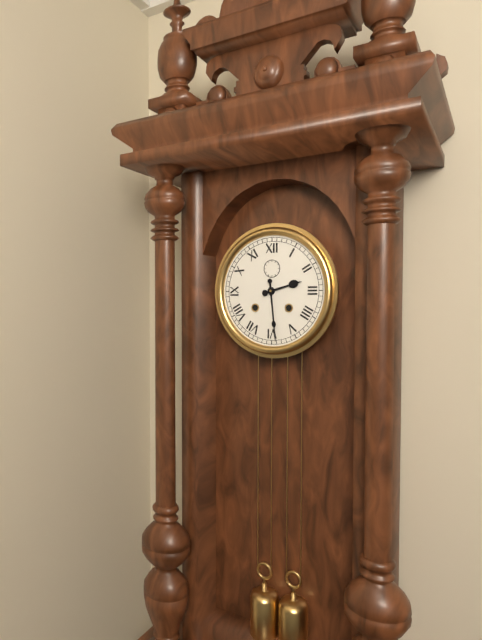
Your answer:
h=2 m=29
